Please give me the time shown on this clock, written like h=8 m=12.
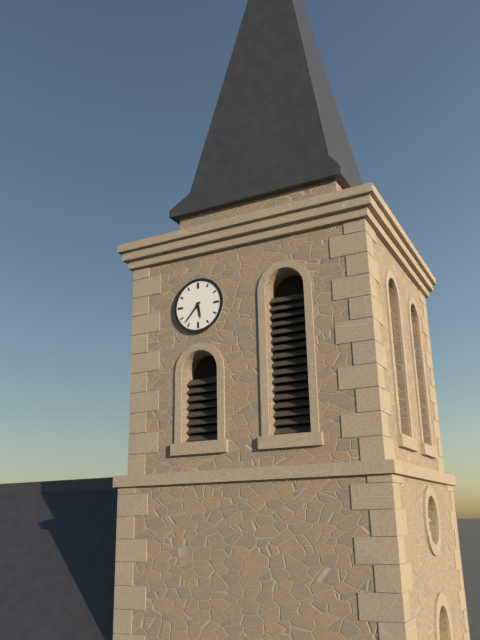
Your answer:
h=5 m=37
